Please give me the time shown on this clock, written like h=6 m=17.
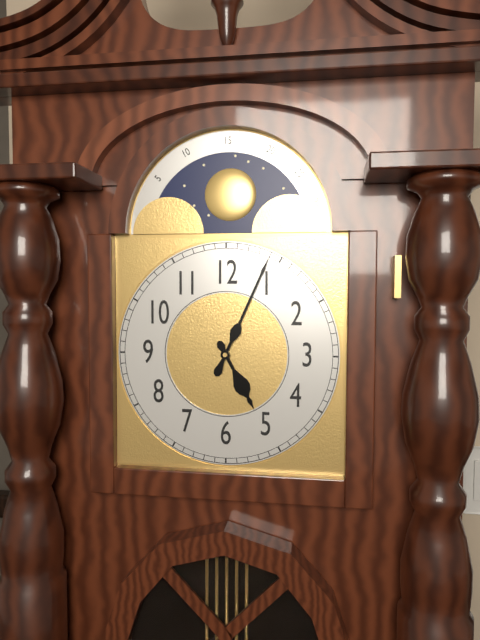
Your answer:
h=5 m=4
